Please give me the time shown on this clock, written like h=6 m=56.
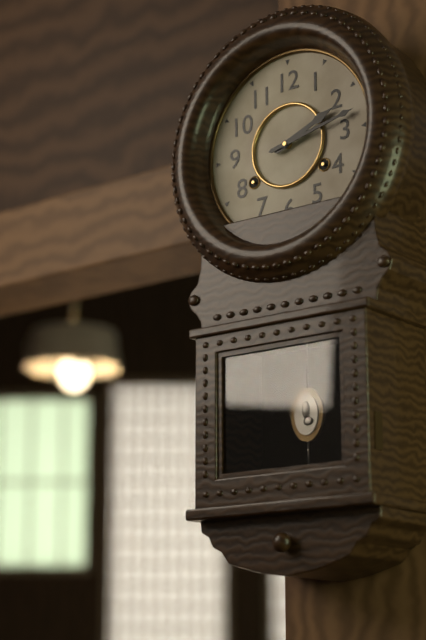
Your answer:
h=2 m=13
